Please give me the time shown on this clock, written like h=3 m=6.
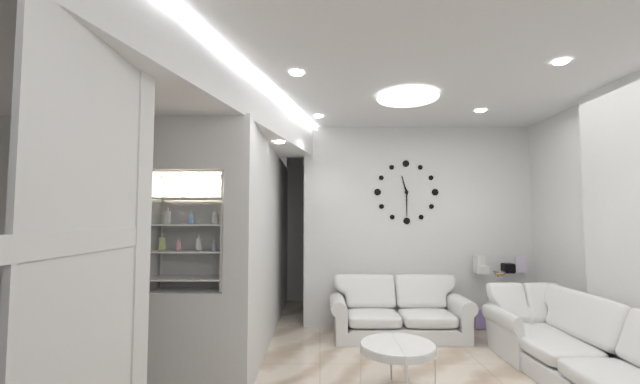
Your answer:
h=11 m=30
